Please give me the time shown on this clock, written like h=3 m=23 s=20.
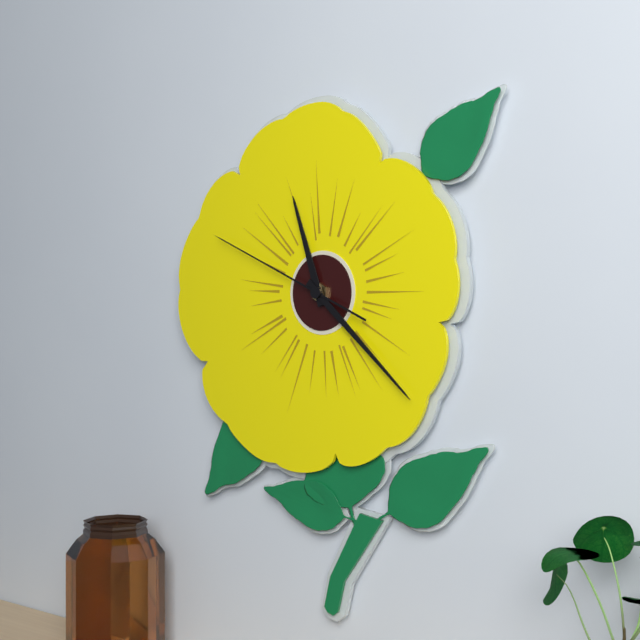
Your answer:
h=11 m=22 s=49
